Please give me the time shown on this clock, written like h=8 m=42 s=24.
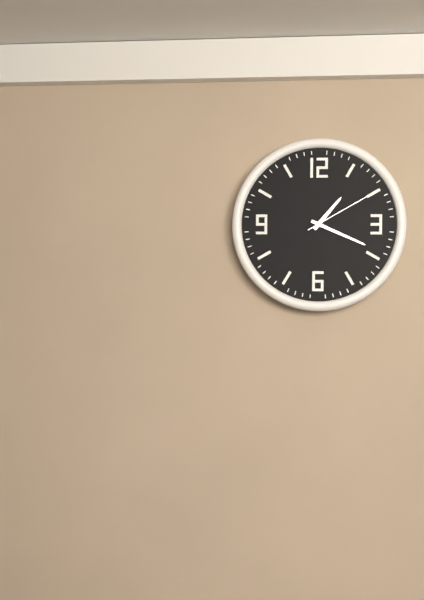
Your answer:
h=1 m=19 s=10
